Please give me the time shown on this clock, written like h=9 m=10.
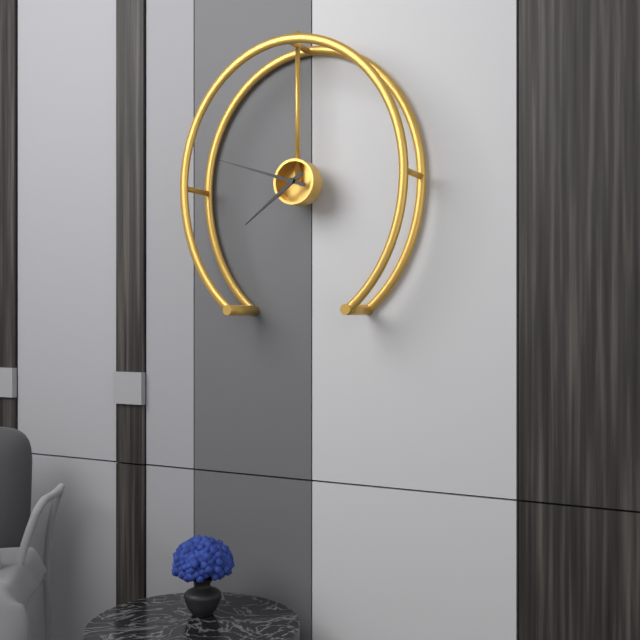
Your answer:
h=7 m=48
